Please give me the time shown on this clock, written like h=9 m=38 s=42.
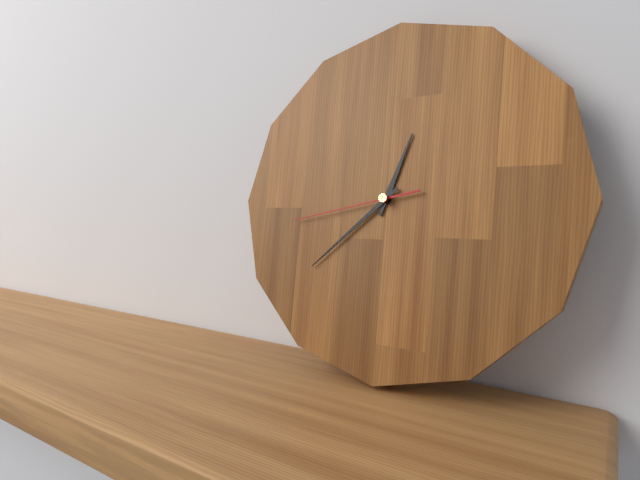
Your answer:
h=12 m=38 s=43
